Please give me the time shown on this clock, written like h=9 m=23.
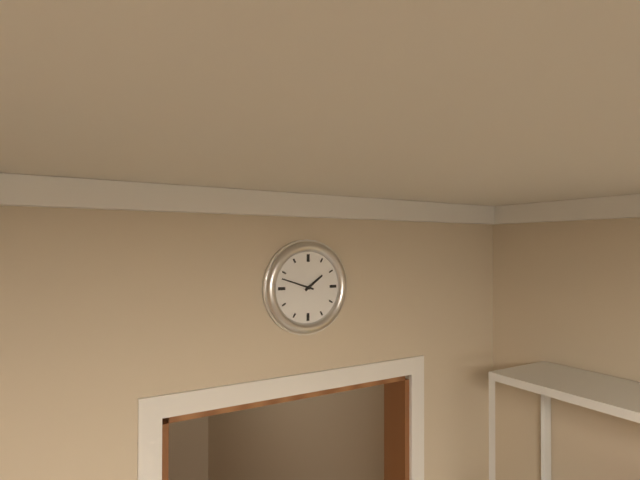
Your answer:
h=1 m=48
